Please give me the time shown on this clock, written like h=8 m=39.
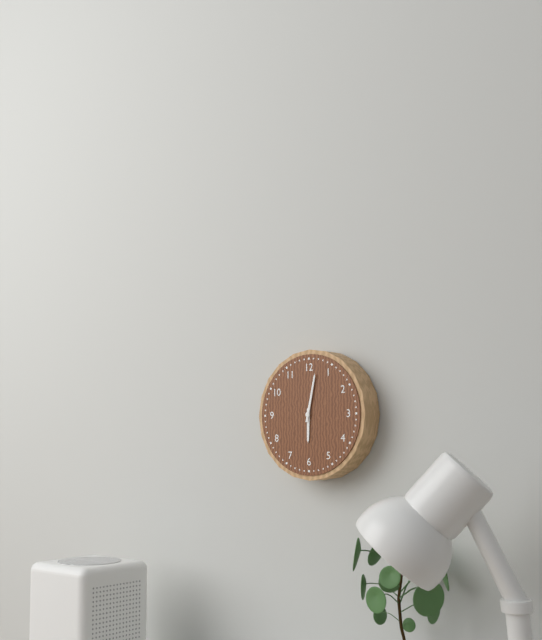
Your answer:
h=6 m=2
